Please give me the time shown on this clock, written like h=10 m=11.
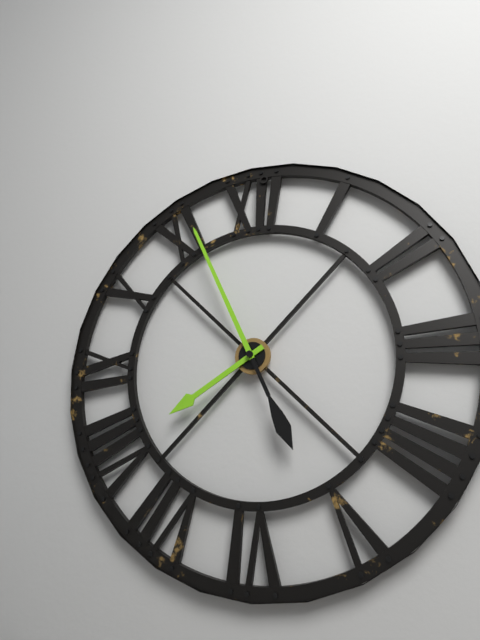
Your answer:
h=7 m=56
